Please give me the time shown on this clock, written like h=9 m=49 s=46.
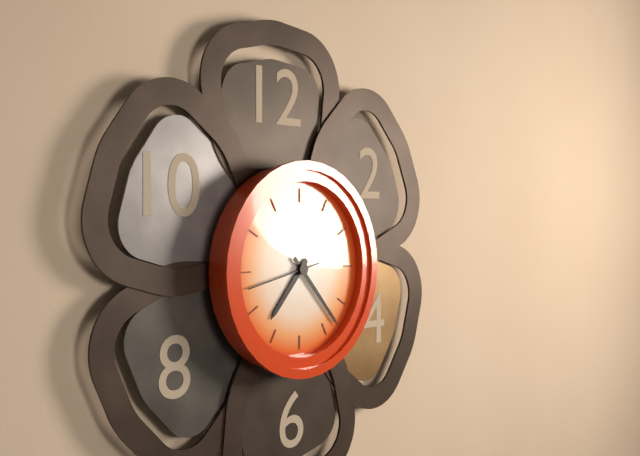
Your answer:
h=7 m=23 s=43
